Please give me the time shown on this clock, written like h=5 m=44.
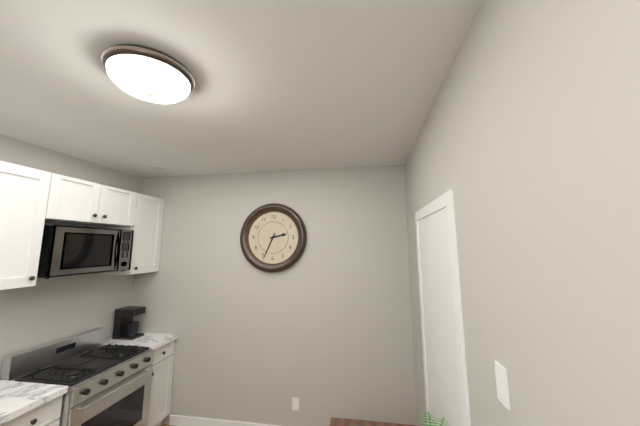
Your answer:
h=2 m=34
